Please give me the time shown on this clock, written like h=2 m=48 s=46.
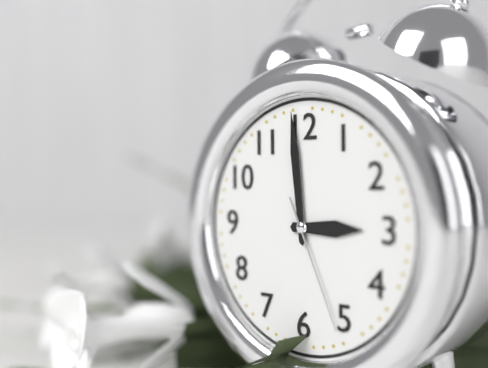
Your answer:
h=2 m=59 s=26
